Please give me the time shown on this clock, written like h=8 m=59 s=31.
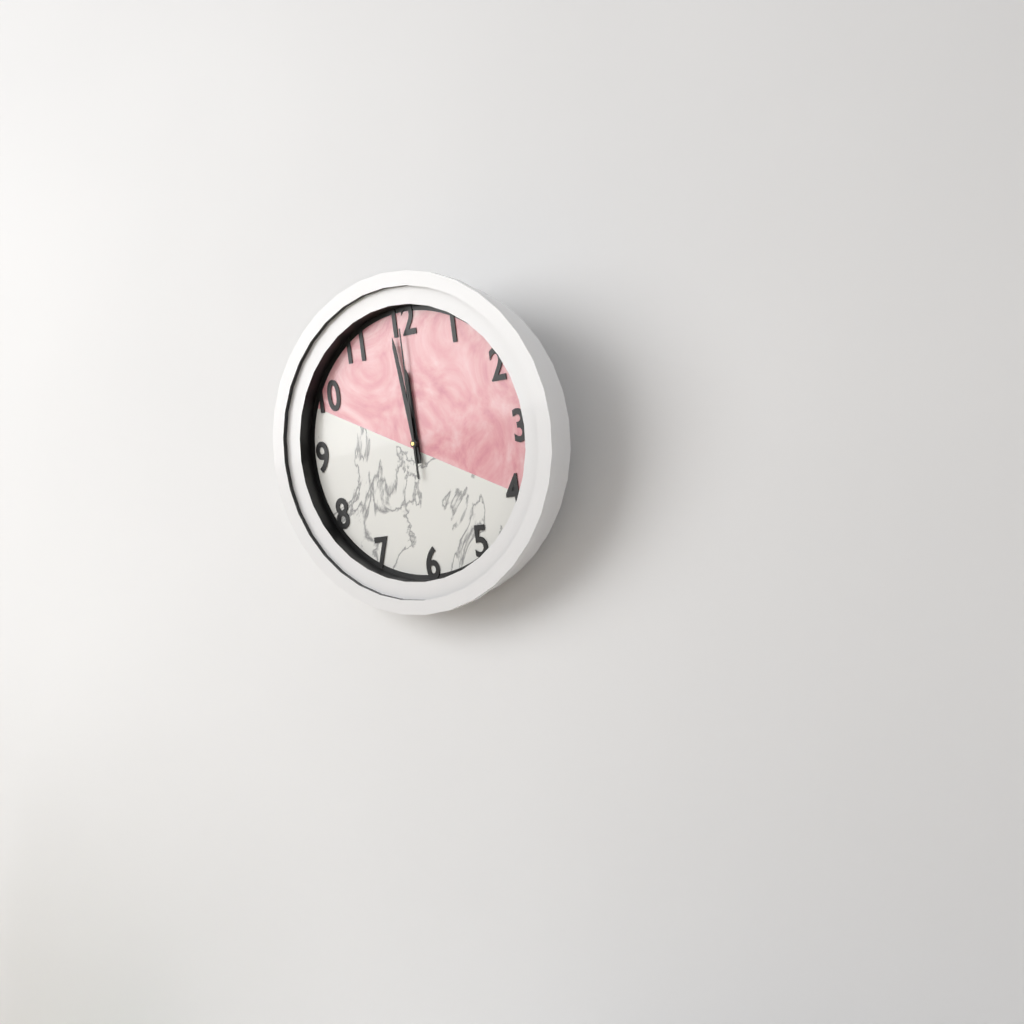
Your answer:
h=11 m=59 s=0
